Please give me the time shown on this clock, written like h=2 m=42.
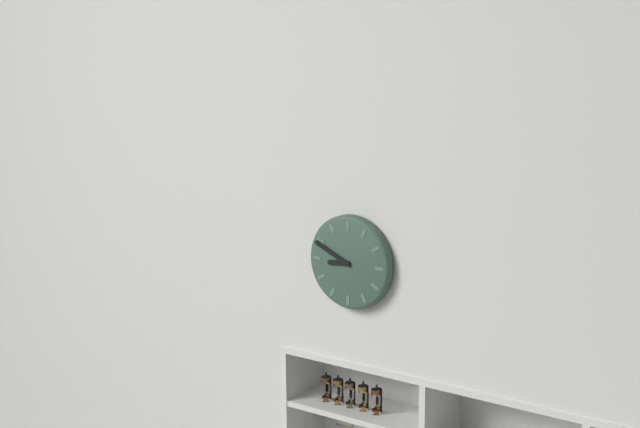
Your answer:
h=8 m=49
